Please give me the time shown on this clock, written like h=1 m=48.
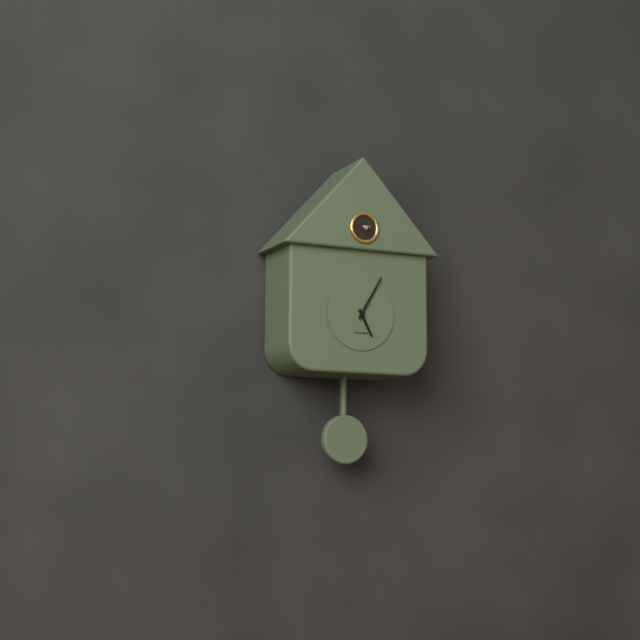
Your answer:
h=5 m=5
